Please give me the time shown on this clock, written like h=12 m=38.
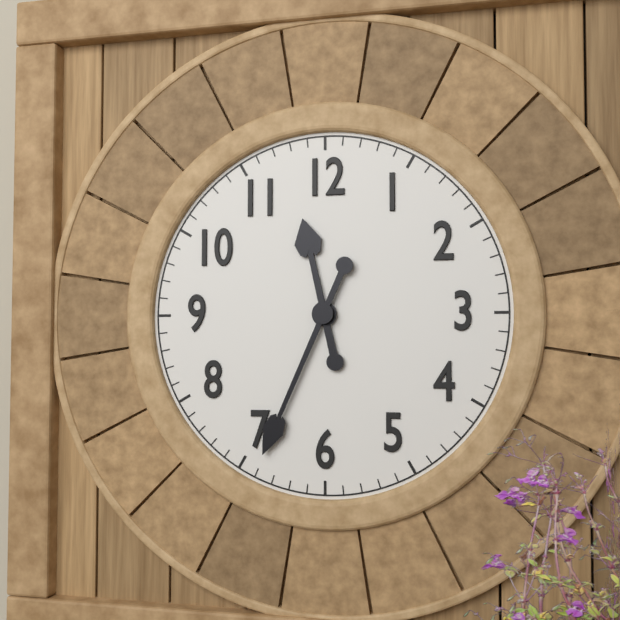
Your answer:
h=11 m=34
